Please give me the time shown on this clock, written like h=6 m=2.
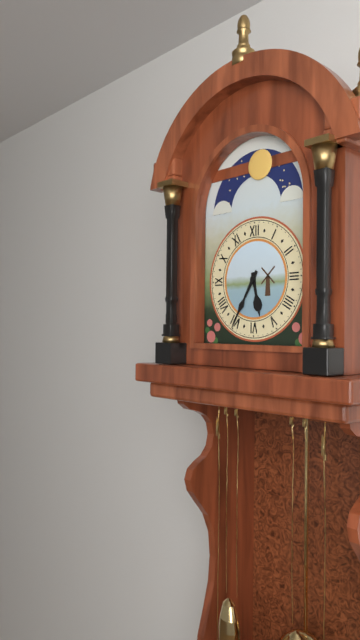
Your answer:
h=5 m=35
